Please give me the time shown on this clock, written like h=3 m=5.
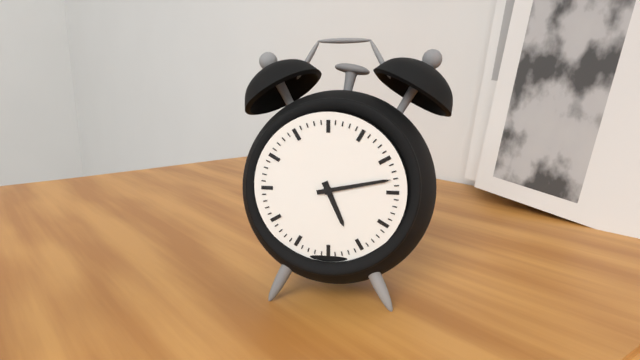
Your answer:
h=5 m=13
